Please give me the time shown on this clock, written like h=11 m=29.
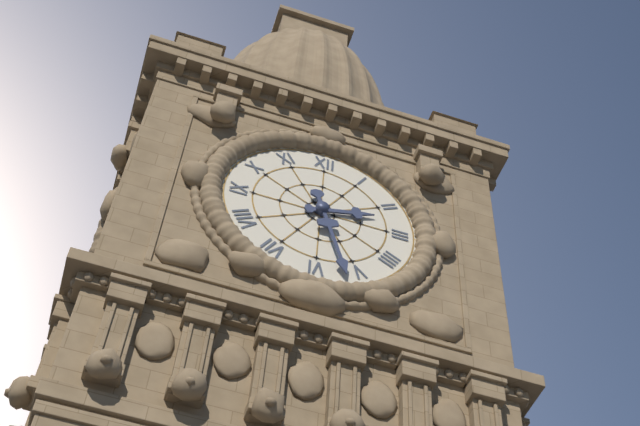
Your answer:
h=2 m=27
